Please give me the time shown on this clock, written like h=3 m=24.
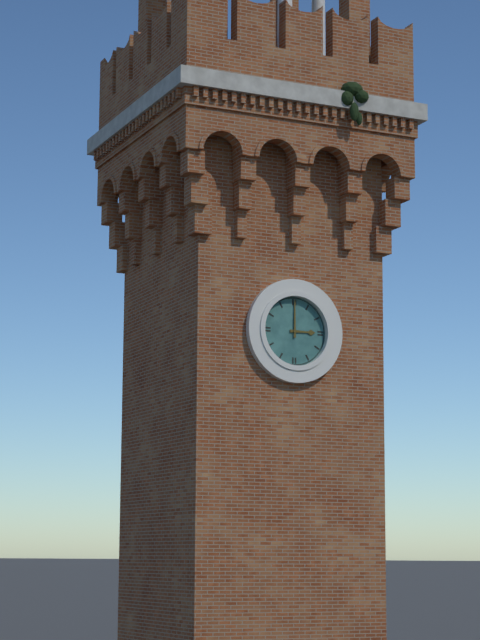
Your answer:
h=3 m=0
